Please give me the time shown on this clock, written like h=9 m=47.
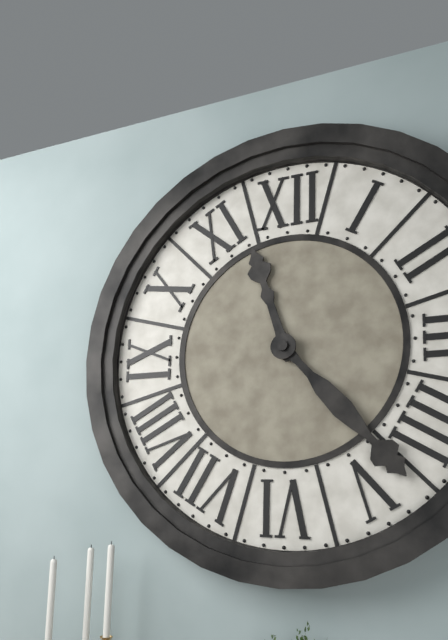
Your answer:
h=11 m=23
